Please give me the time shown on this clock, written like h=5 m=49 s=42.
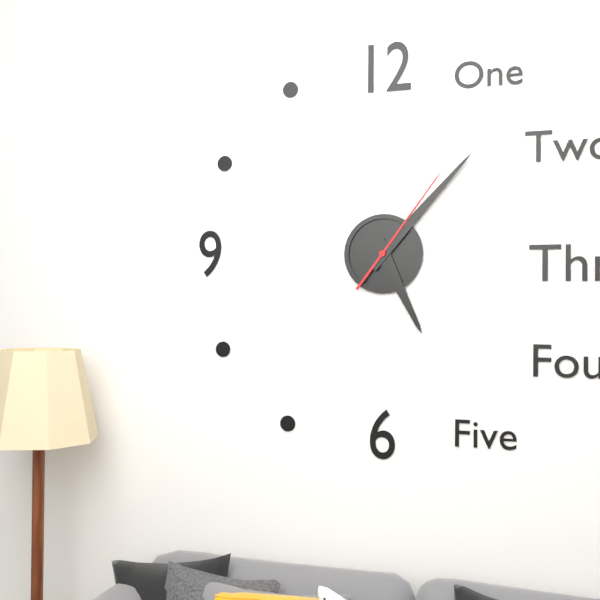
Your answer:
h=5 m=7 s=6
